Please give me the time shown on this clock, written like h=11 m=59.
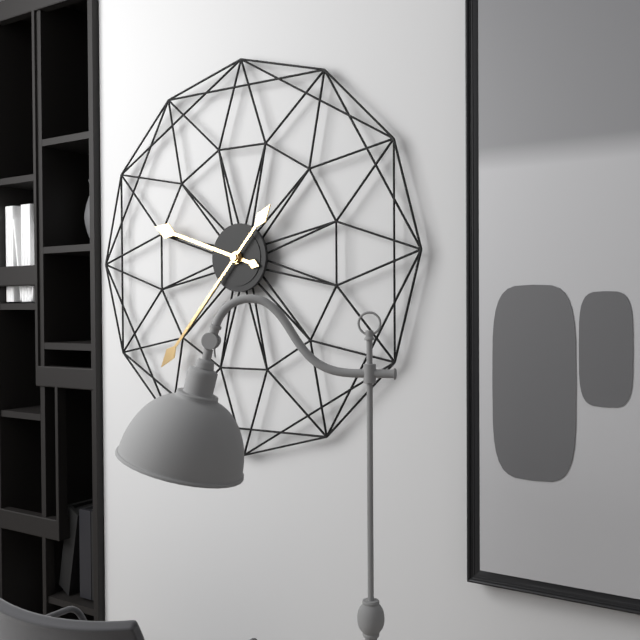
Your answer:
h=9 m=37
